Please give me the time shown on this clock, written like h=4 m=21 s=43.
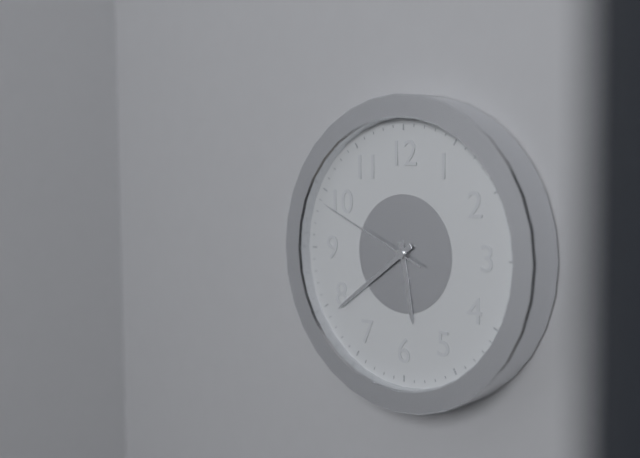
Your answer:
h=5 m=39 s=49
